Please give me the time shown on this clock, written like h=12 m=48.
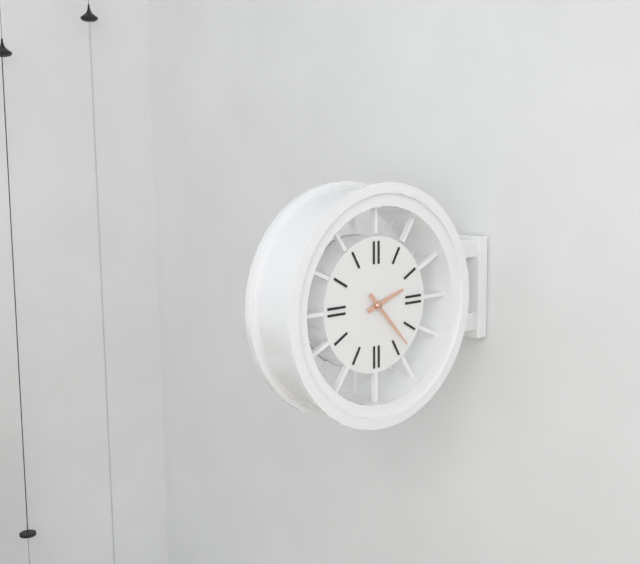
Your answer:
h=2 m=23
